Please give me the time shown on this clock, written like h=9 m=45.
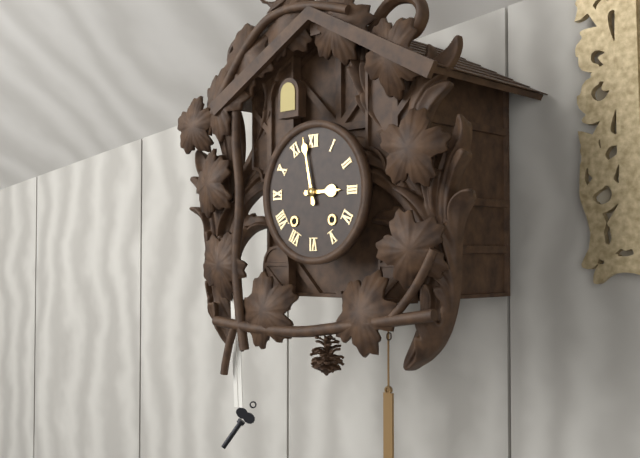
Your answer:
h=2 m=58
